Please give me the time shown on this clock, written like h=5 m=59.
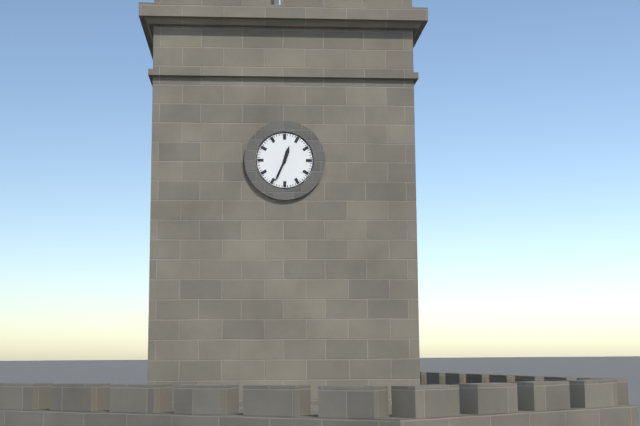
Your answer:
h=12 m=34
